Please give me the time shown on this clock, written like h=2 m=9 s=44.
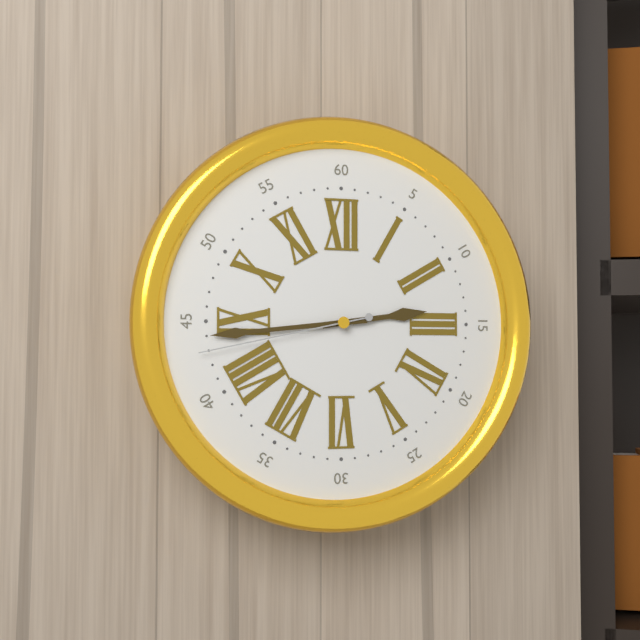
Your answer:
h=2 m=44 s=43
